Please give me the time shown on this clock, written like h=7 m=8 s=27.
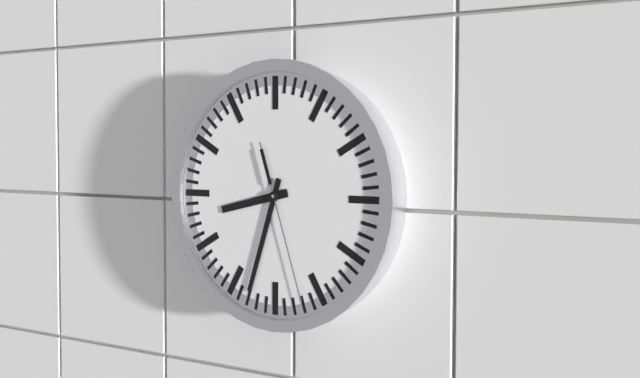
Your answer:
h=8 m=33 s=27
